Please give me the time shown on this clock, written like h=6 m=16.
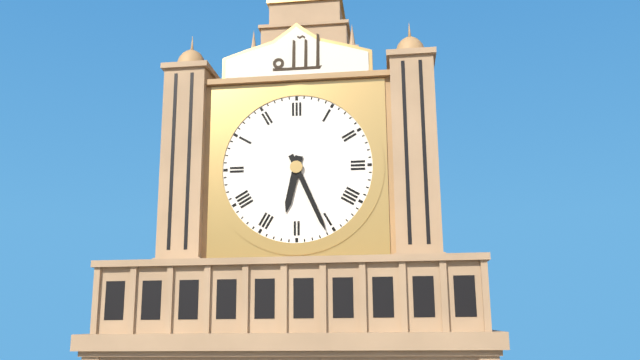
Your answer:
h=6 m=26
